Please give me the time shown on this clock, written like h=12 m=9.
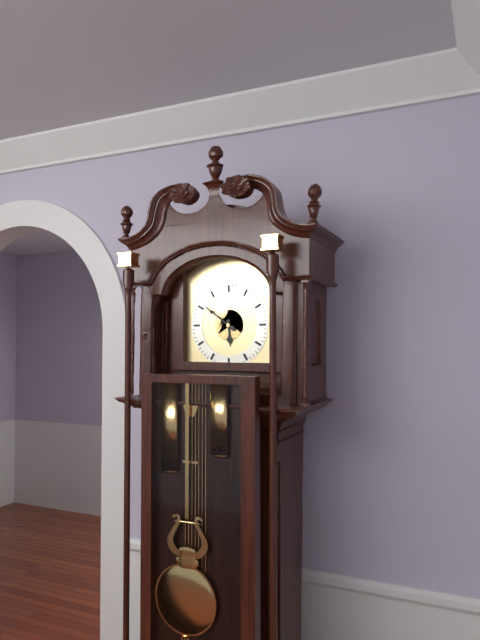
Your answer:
h=5 m=51
